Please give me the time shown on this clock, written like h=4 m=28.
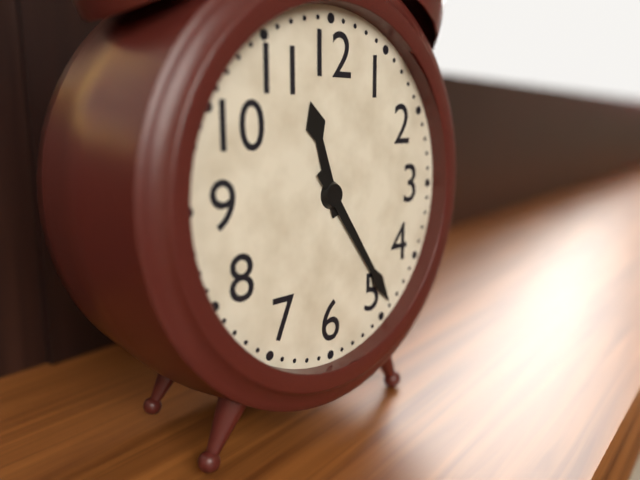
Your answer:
h=11 m=24
